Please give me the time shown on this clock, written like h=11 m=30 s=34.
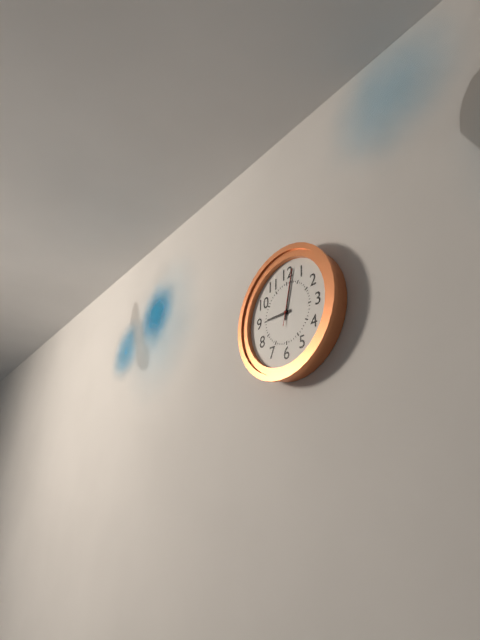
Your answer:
h=9 m=2 s=2
